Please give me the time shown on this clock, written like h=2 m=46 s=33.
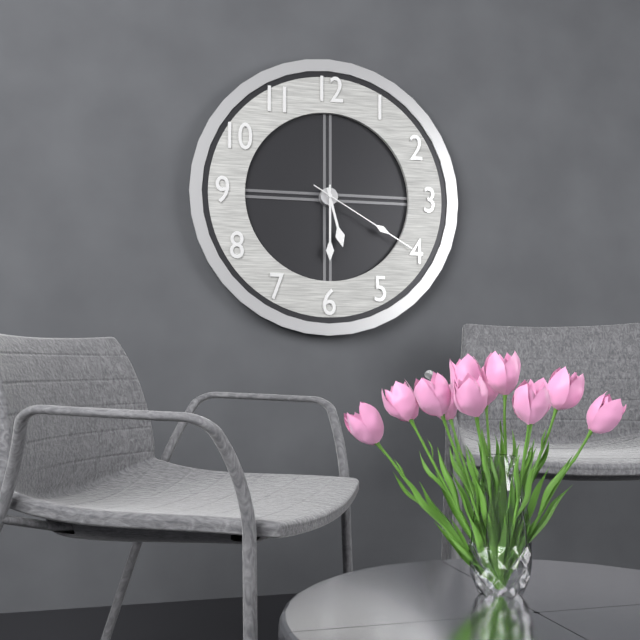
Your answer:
h=5 m=30 s=20
